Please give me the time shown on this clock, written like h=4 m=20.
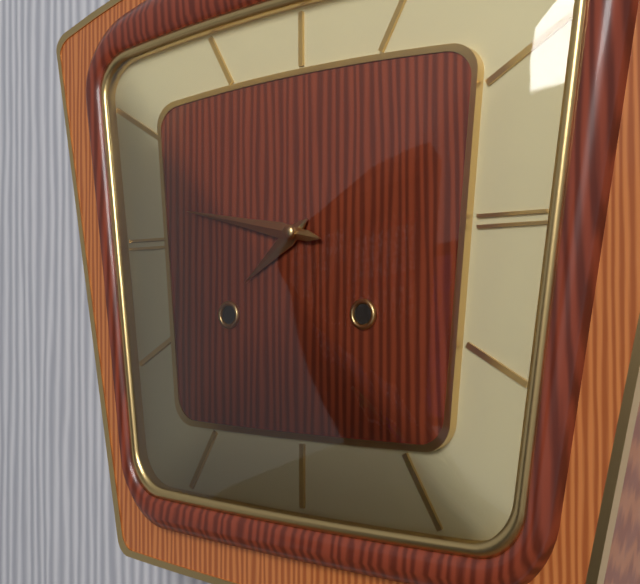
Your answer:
h=7 m=47
